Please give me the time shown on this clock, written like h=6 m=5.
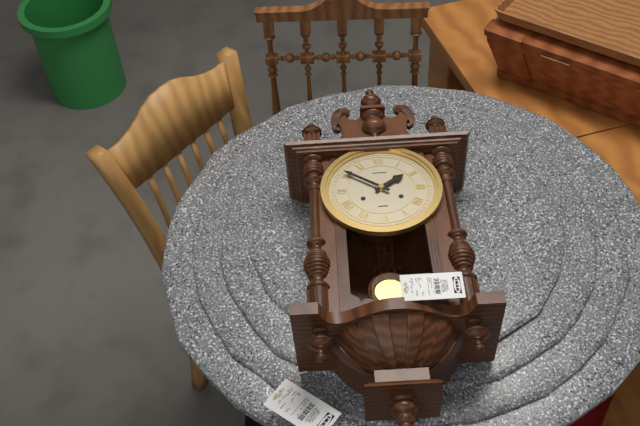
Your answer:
h=1 m=51
